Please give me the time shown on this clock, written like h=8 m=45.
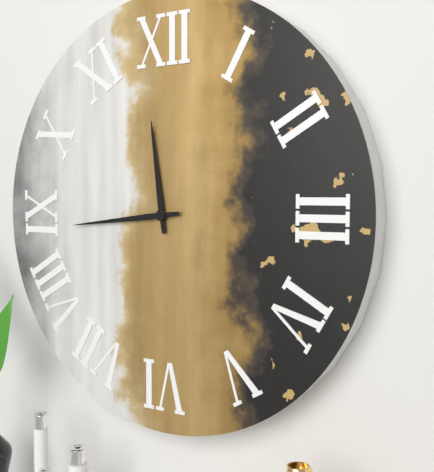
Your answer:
h=11 m=44
